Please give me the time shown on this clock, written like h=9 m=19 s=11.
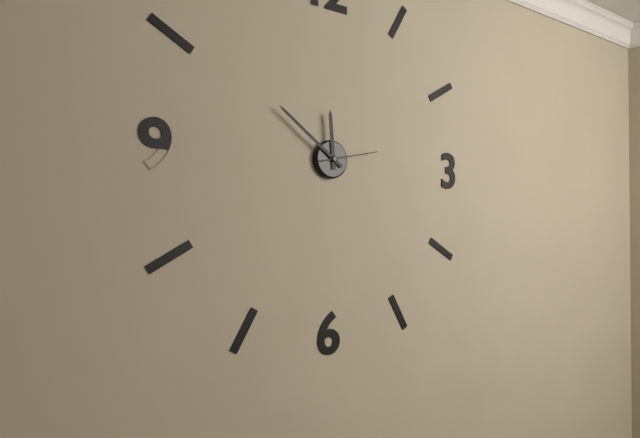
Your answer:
h=11 m=51 s=13
